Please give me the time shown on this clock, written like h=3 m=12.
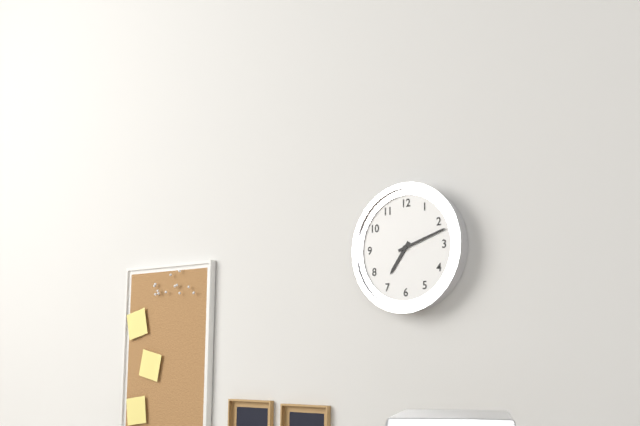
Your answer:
h=7 m=12
